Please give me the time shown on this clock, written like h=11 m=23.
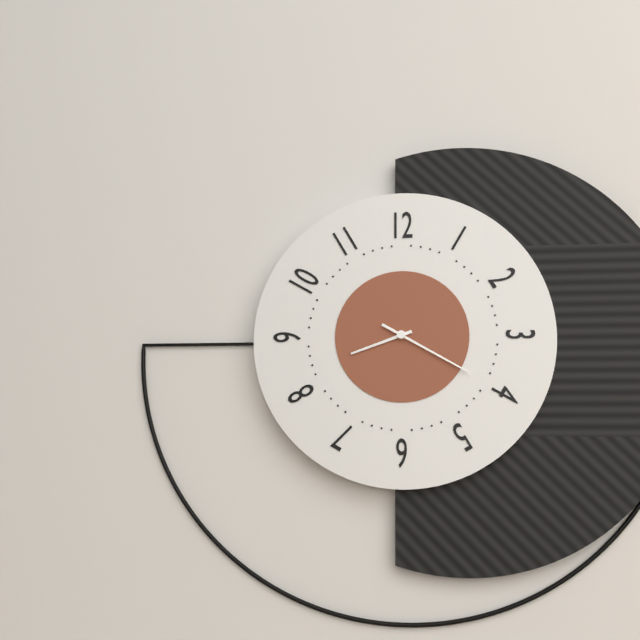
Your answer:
h=8 m=20
